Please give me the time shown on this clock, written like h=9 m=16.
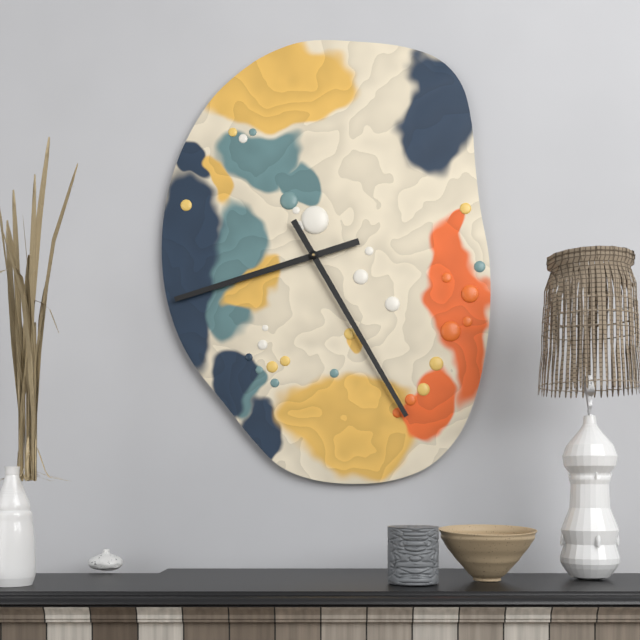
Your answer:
h=8 m=25
